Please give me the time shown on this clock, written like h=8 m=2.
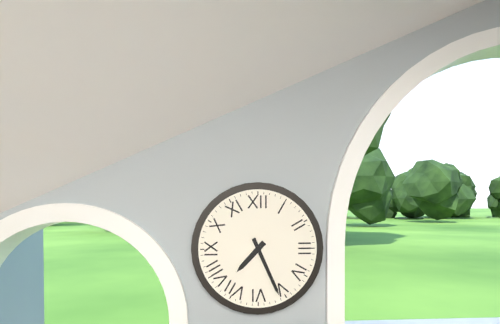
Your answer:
h=7 m=26
